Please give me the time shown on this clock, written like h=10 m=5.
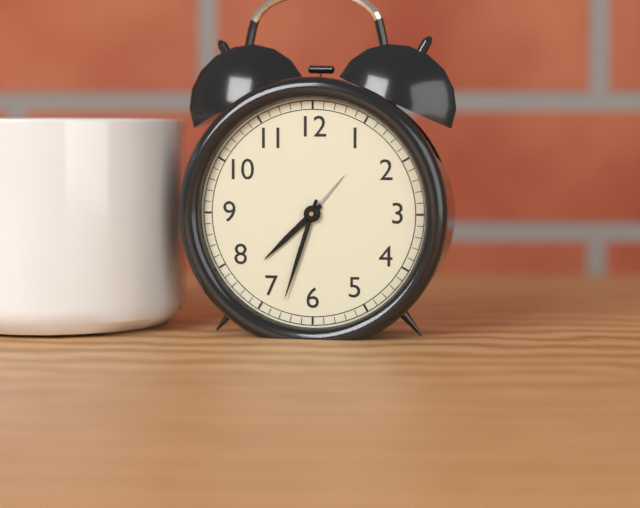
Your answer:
h=7 m=33
